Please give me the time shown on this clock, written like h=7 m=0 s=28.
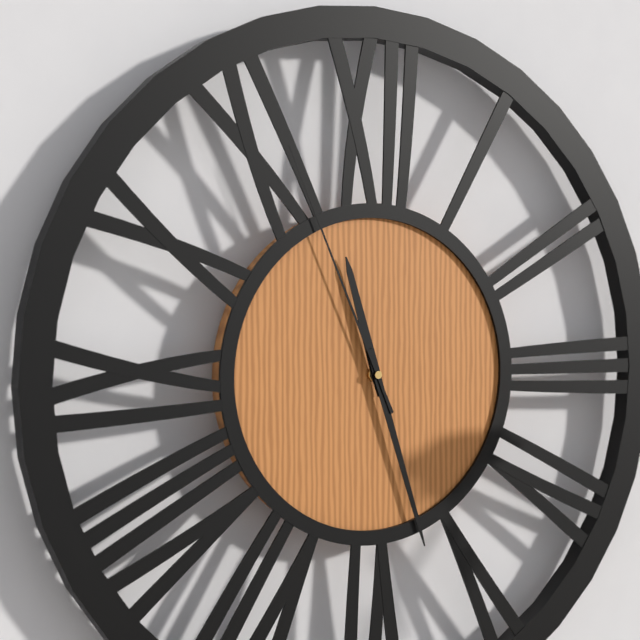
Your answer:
h=11 m=27 s=56
